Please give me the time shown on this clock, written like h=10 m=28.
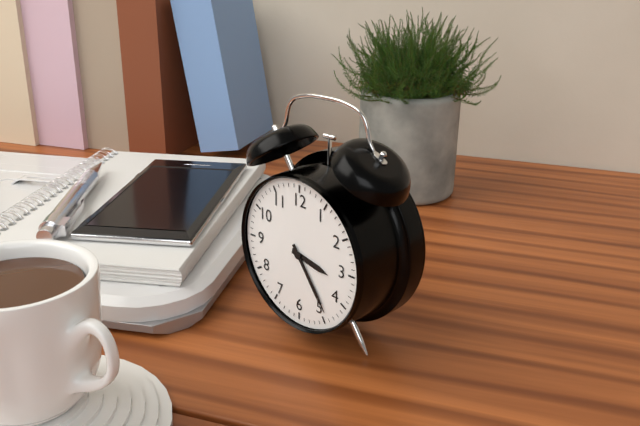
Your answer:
h=3 m=24
